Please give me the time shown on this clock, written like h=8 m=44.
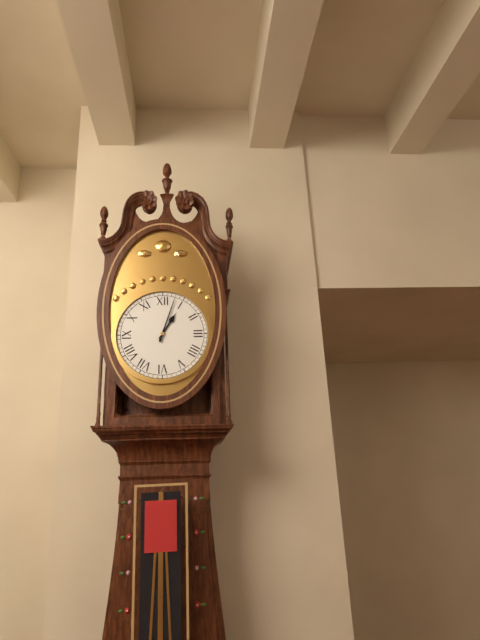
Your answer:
h=1 m=3
